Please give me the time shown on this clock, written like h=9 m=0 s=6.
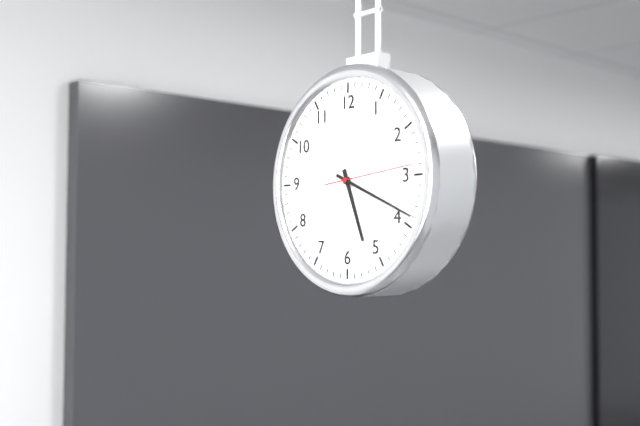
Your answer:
h=5 m=19 s=14
